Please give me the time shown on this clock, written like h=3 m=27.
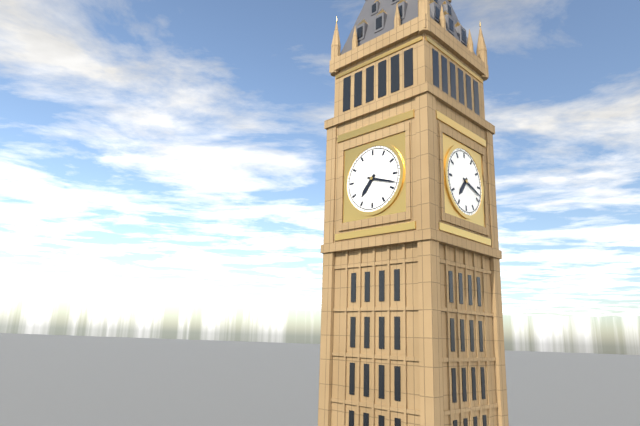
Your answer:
h=7 m=18
